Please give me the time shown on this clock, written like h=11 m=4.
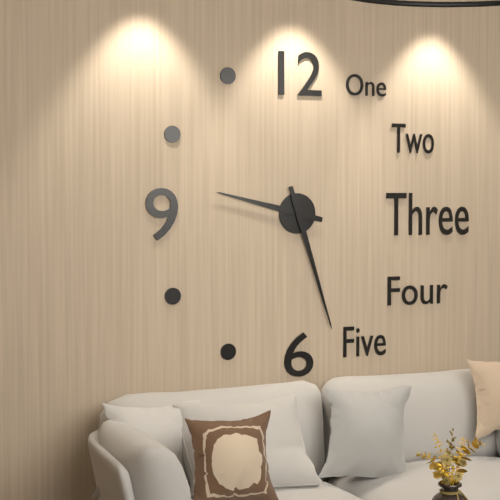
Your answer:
h=9 m=27
